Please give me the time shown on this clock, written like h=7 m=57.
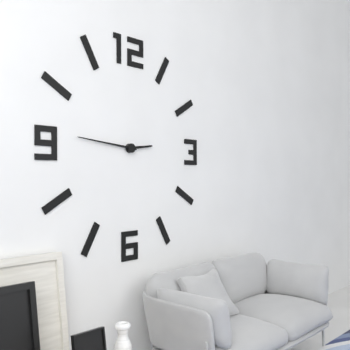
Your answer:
h=2 m=46
